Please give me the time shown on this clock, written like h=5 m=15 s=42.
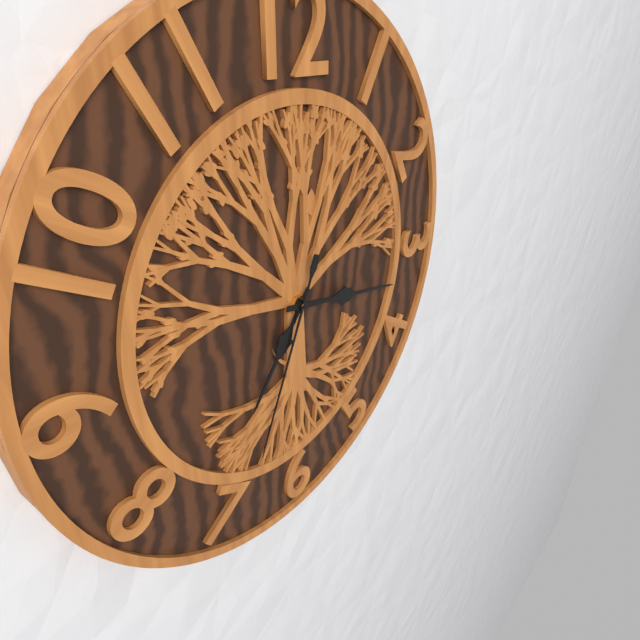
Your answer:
h=7 m=17 s=34
